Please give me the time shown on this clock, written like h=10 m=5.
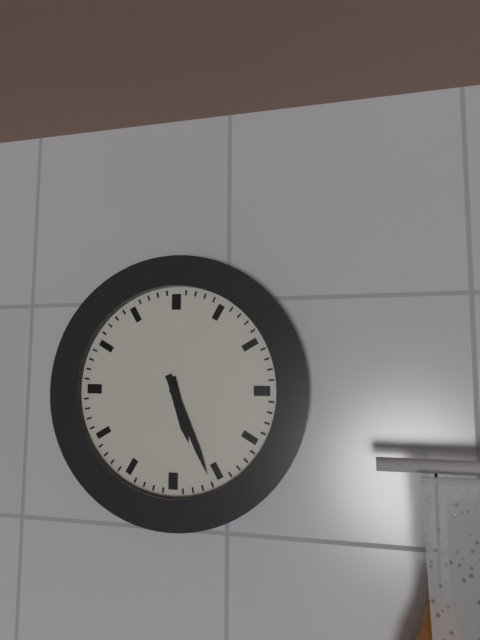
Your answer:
h=5 m=26
